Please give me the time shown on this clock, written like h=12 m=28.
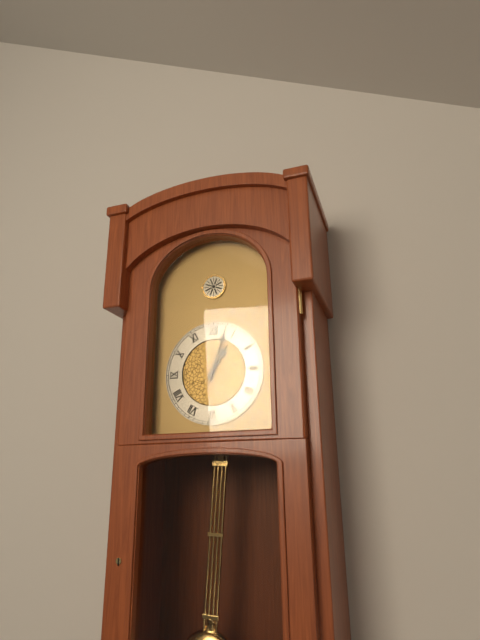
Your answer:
h=1 m=3
